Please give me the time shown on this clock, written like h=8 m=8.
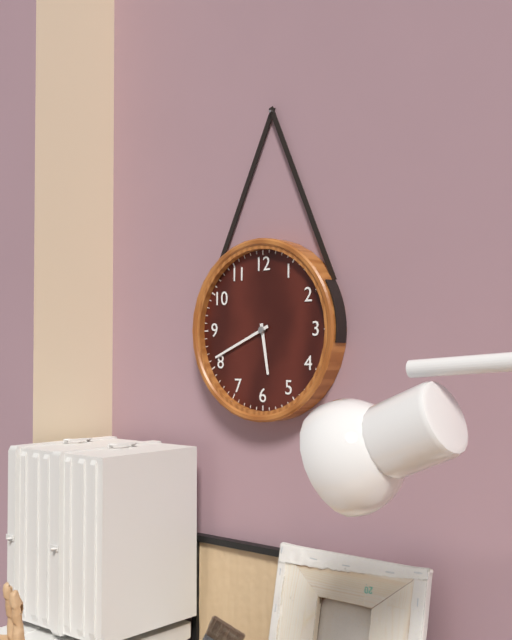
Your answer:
h=5 m=41
